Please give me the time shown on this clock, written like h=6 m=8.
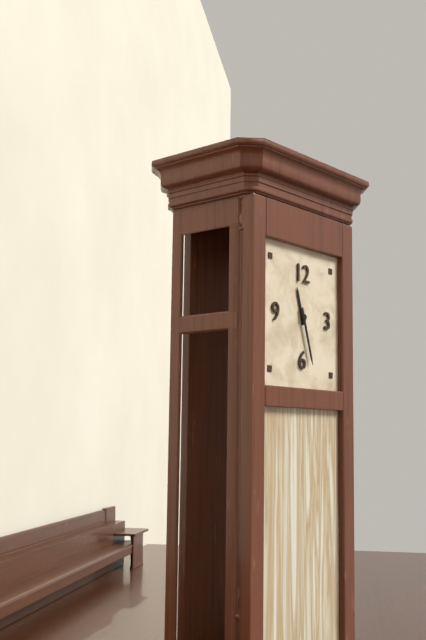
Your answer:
h=11 m=27
